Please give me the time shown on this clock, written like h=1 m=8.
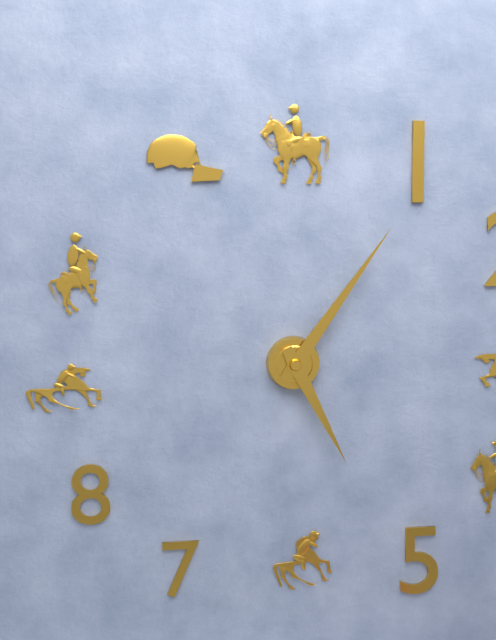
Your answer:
h=5 m=6
